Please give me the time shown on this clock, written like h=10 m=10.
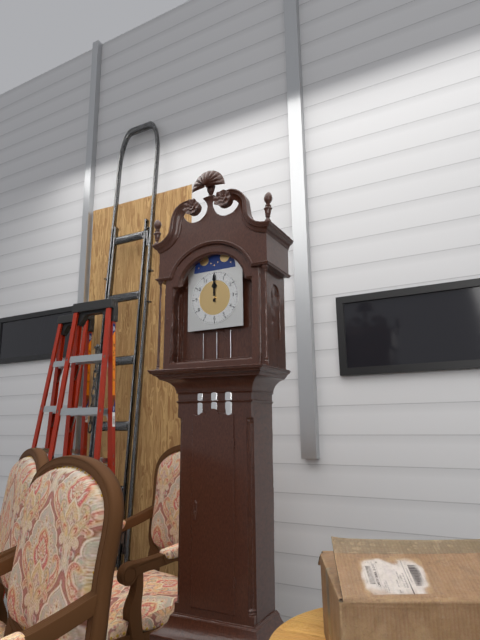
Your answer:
h=12 m=0
